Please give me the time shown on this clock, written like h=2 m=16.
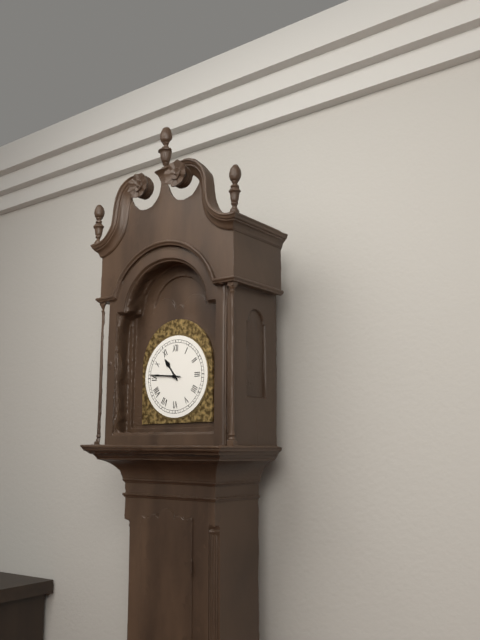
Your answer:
h=10 m=46
